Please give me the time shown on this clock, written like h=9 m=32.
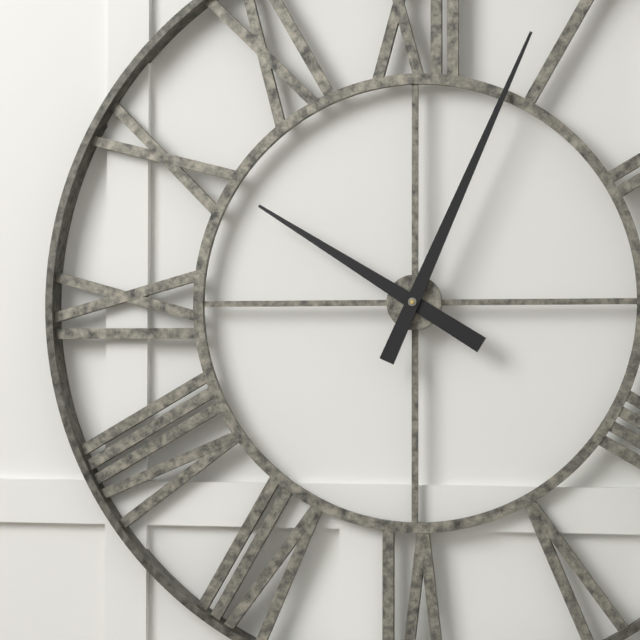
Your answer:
h=10 m=4
